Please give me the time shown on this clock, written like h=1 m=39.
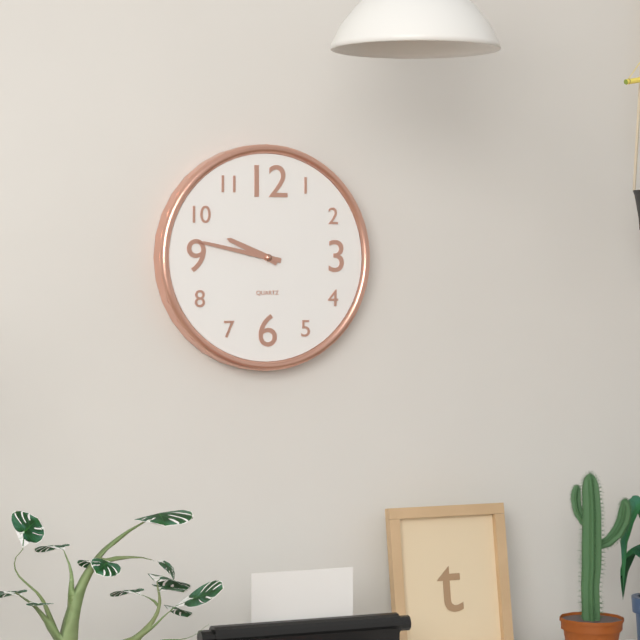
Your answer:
h=9 m=47
